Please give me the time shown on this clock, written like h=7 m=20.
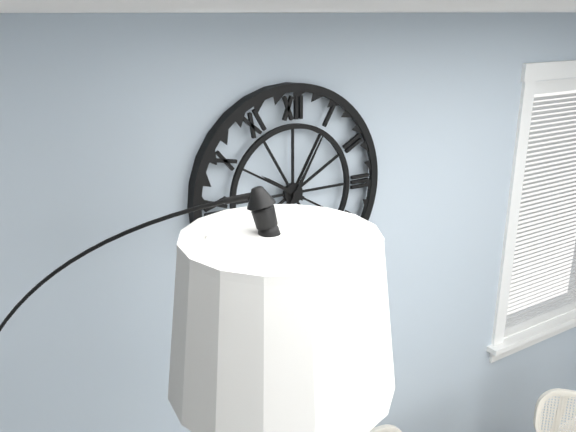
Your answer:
h=10 m=5
